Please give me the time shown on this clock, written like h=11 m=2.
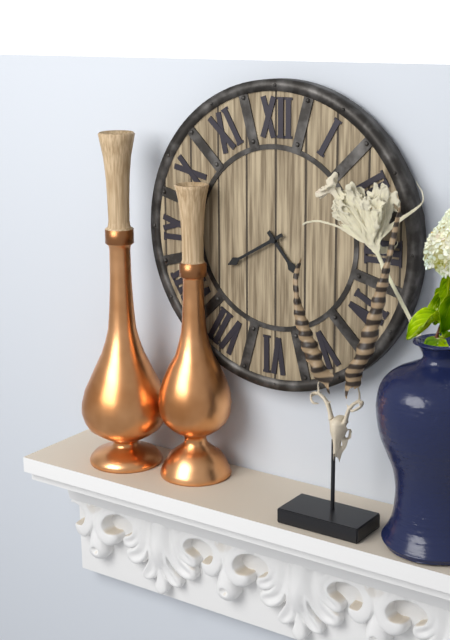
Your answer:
h=4 m=40
